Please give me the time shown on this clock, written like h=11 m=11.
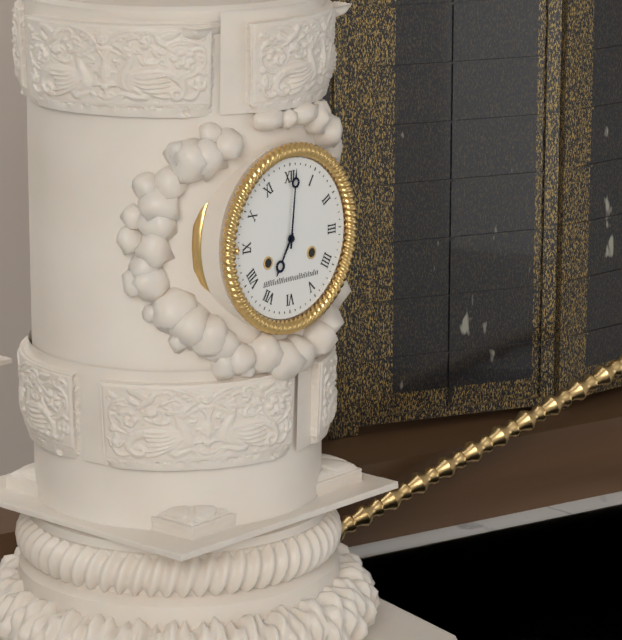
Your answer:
h=7 m=1
